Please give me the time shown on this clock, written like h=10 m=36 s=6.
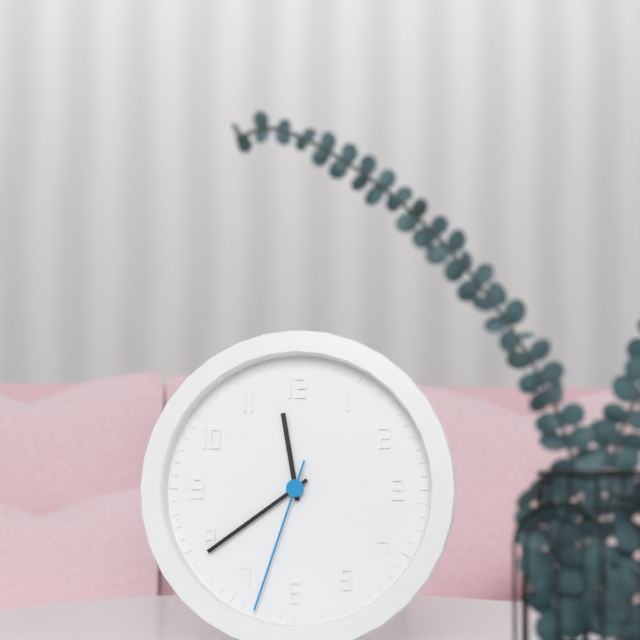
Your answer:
h=11 m=39 s=33
